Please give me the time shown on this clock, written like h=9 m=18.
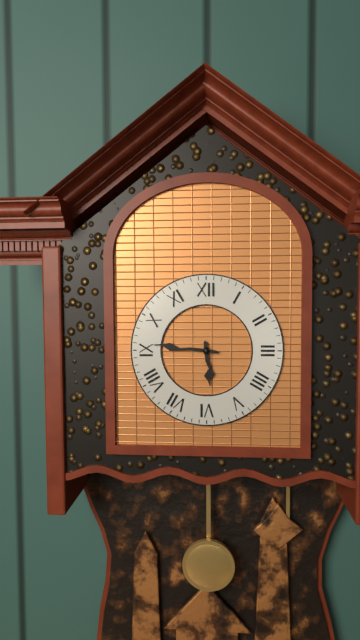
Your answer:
h=5 m=46
